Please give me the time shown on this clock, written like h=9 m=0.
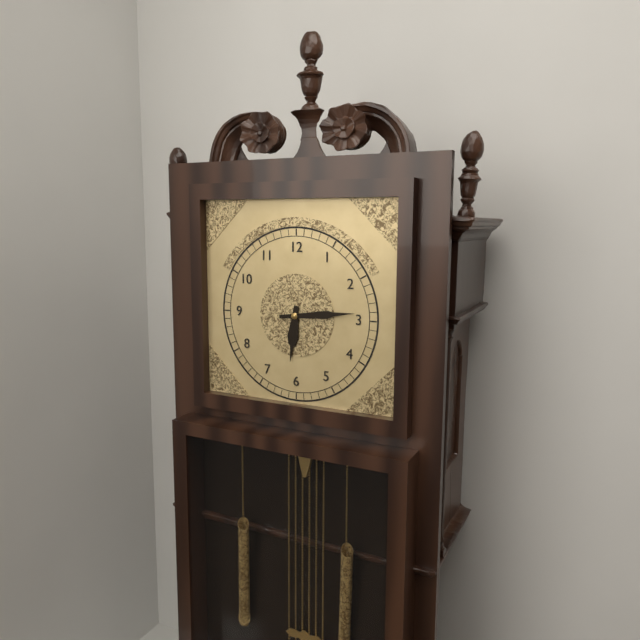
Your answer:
h=6 m=14
